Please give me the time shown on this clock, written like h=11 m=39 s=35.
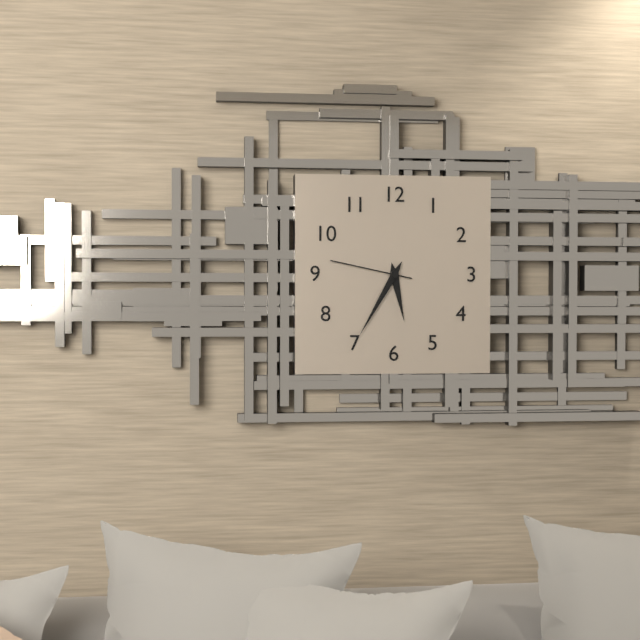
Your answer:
h=5 m=35 s=47
